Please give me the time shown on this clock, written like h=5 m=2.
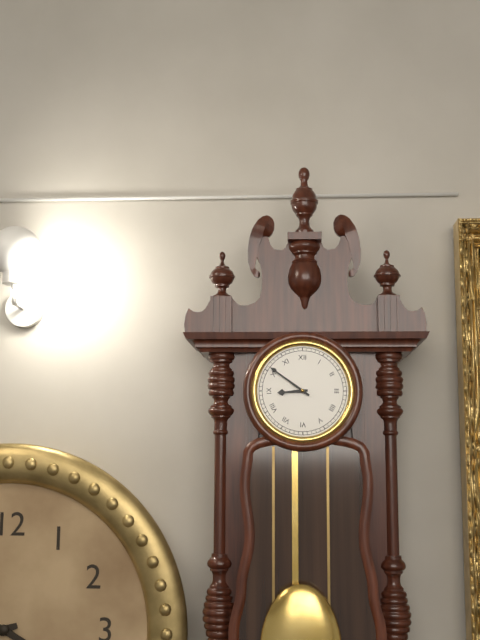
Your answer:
h=8 m=51
